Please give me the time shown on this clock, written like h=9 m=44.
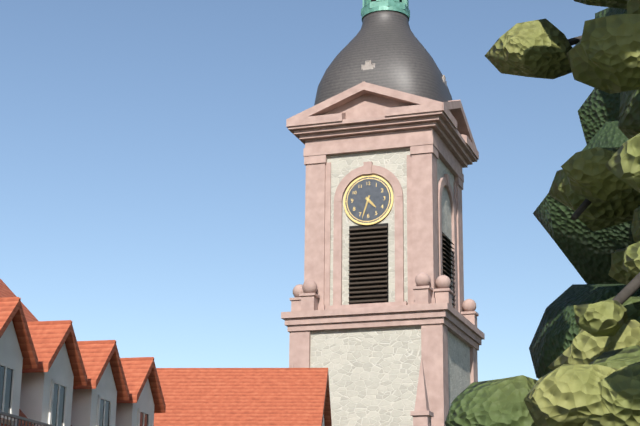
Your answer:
h=4 m=33
